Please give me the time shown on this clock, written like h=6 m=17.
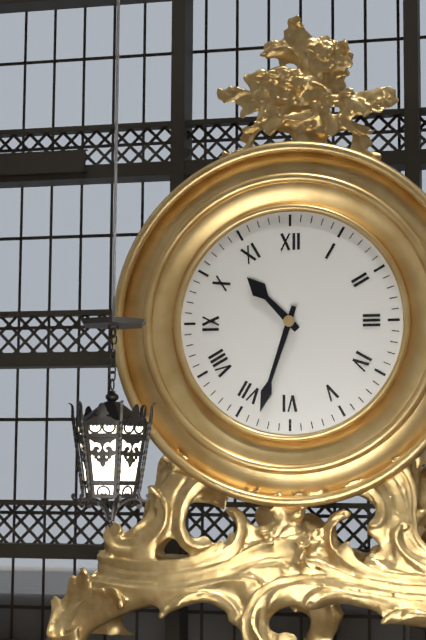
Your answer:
h=10 m=33
